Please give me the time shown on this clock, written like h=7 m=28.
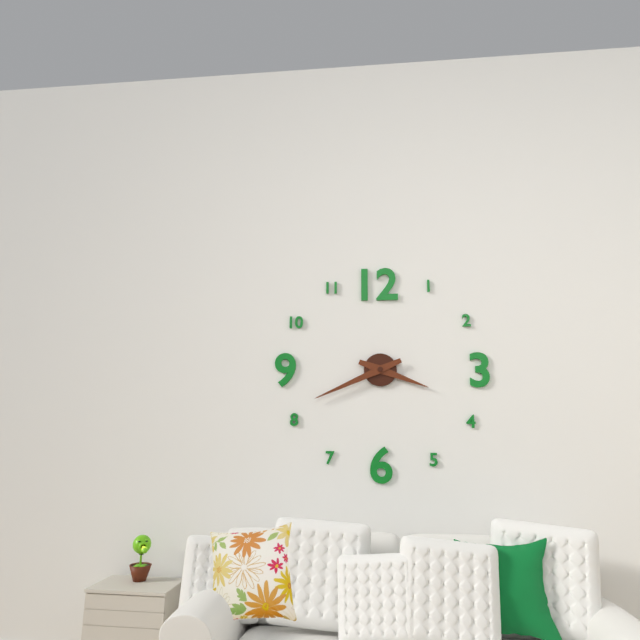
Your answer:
h=3 m=41
